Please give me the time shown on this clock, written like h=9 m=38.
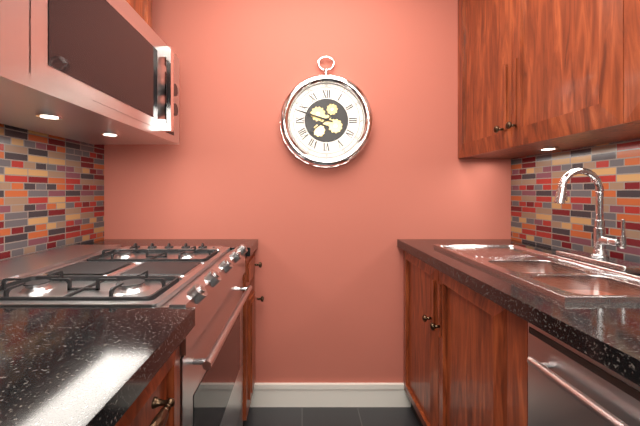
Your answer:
h=7 m=48
